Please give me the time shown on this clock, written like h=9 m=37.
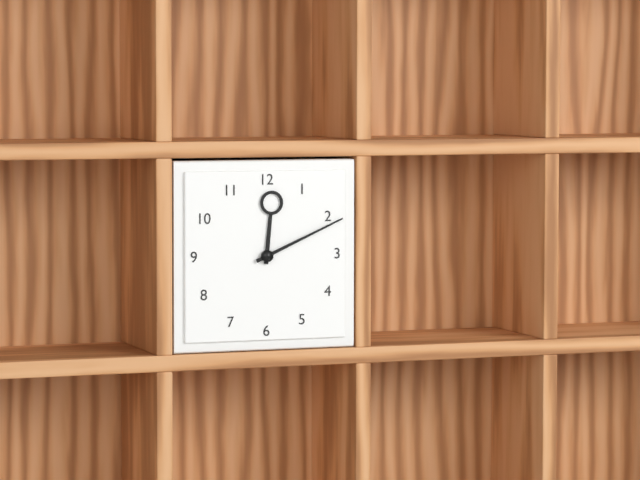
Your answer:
h=12 m=11
